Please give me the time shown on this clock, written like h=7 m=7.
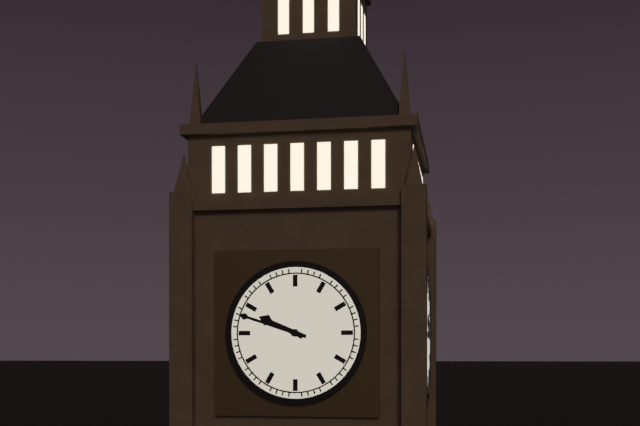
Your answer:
h=9 m=48
